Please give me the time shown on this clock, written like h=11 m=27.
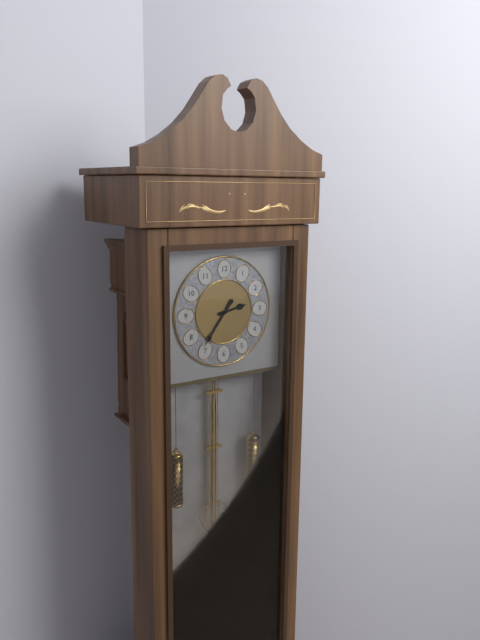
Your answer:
h=2 m=36
